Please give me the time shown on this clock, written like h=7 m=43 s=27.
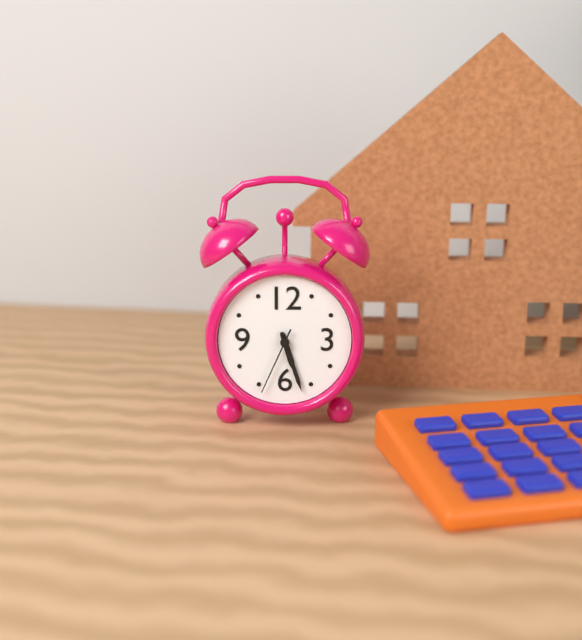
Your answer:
h=5 m=27 s=34
